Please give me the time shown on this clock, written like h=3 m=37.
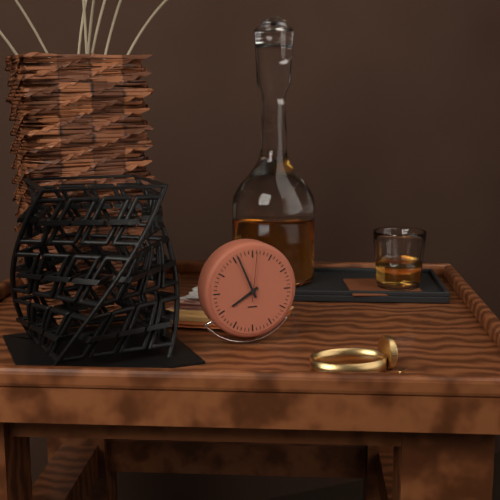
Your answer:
h=7 m=56
